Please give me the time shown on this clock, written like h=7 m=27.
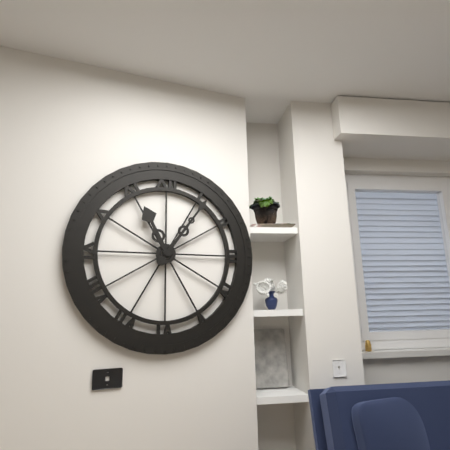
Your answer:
h=11 m=6
